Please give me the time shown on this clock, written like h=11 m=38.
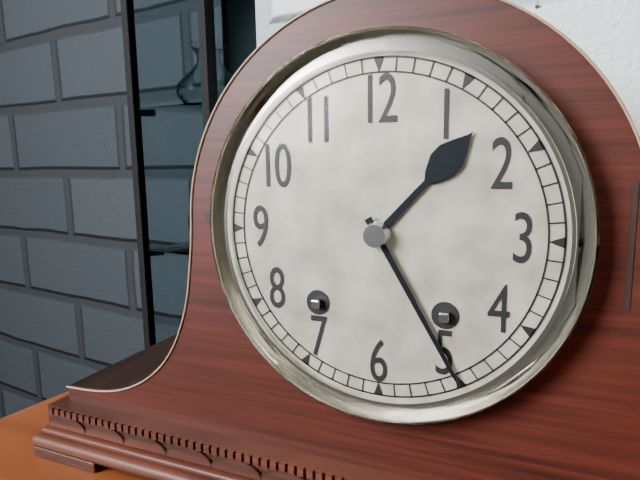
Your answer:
h=1 m=25
